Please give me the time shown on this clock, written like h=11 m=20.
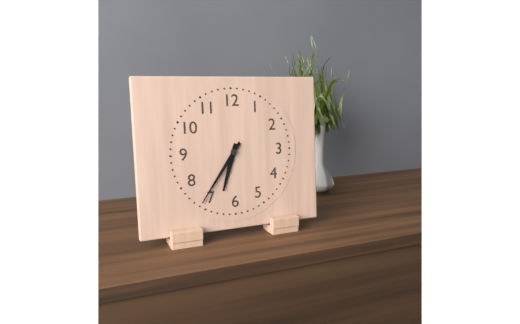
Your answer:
h=6 m=36
